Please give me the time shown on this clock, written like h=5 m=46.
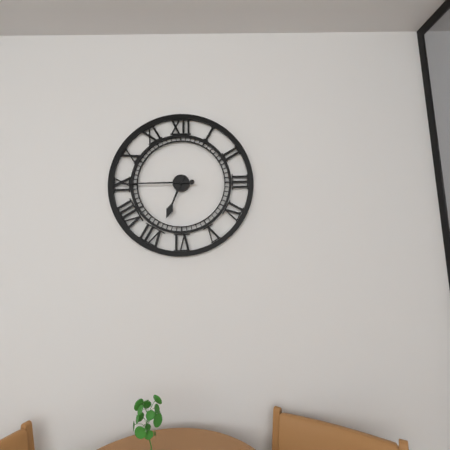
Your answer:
h=6 m=45
